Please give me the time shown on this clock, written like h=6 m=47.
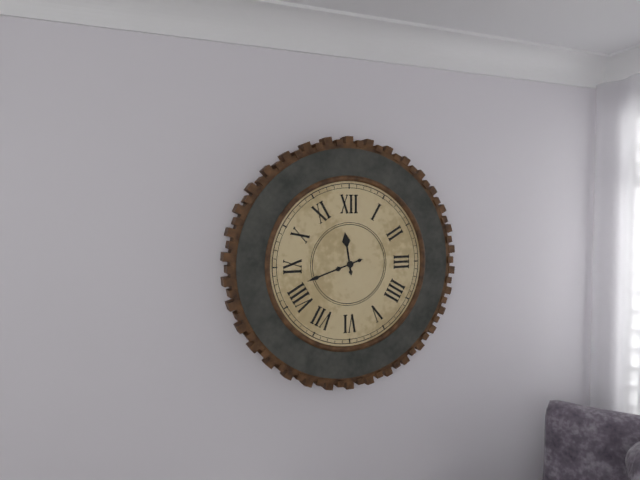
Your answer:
h=11 m=42
